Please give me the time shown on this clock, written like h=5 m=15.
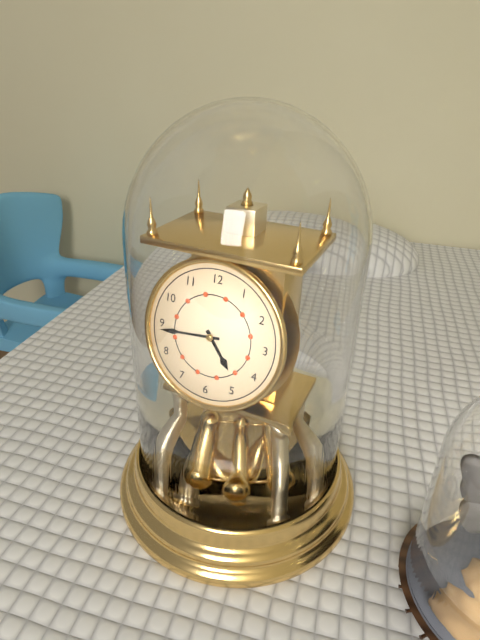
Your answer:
h=4 m=44
